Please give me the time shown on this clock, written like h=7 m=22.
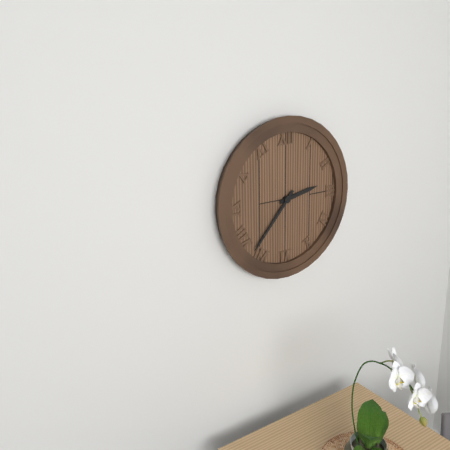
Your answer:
h=2 m=37
